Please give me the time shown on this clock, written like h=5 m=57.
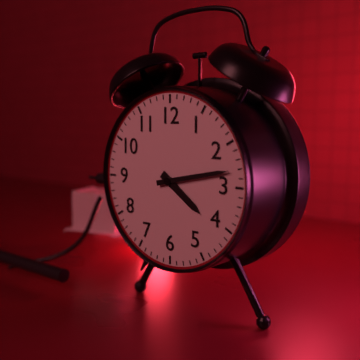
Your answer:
h=4 m=13
